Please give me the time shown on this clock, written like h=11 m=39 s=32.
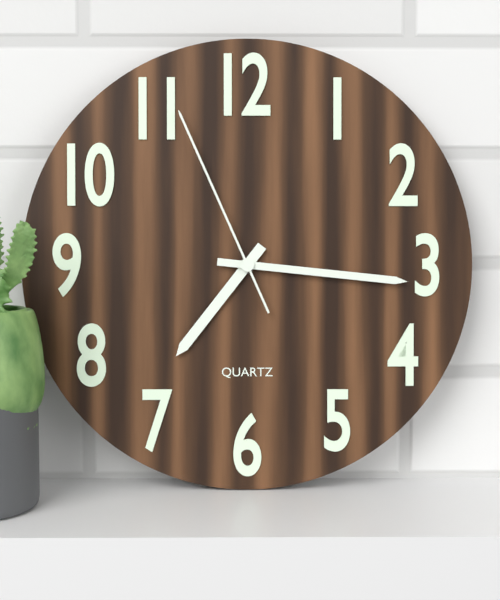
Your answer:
h=7 m=16 s=56
